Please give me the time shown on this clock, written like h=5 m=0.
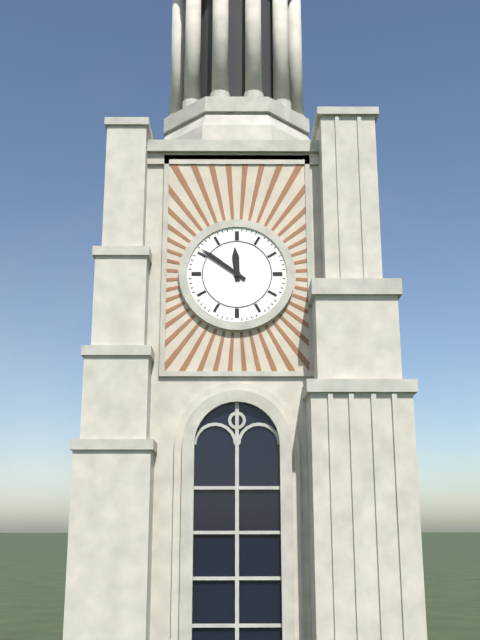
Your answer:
h=11 m=51
